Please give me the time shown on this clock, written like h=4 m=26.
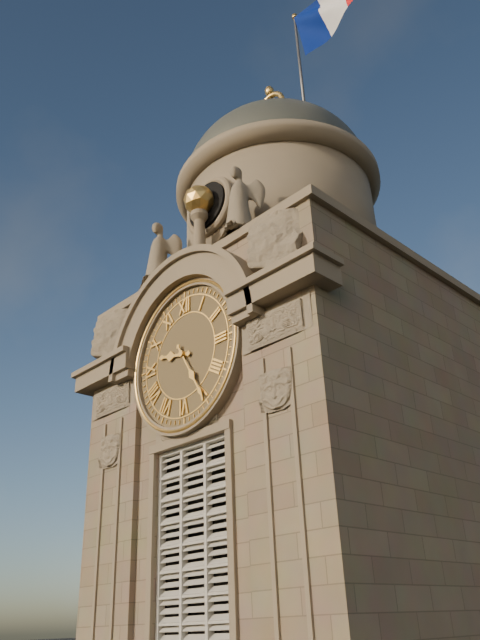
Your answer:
h=9 m=25
